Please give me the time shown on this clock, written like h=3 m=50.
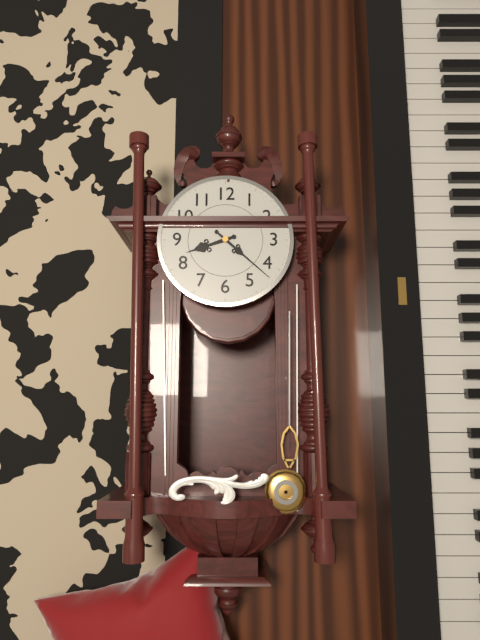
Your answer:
h=8 m=22
